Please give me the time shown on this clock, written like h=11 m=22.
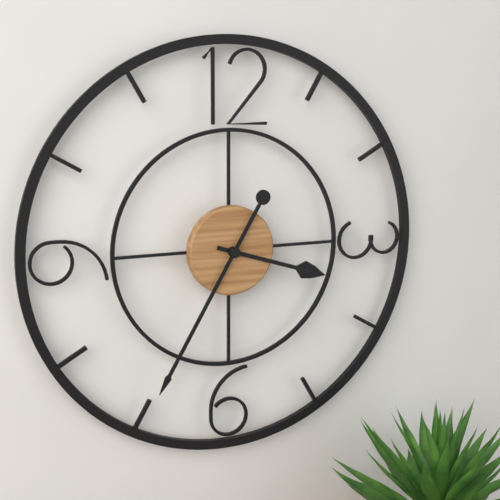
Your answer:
h=3 m=35
